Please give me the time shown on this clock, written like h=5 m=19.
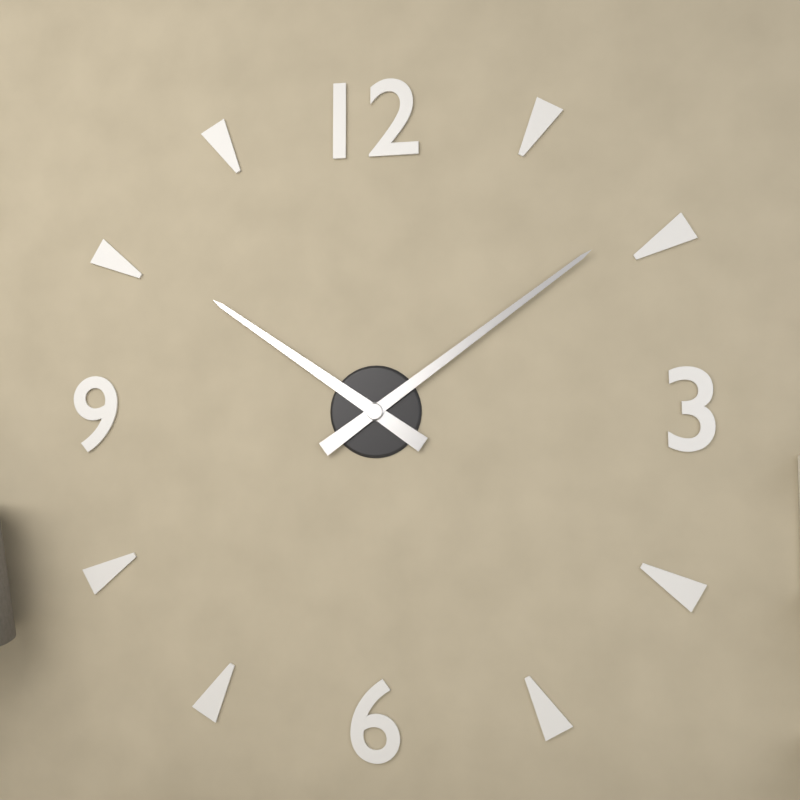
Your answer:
h=10 m=9
